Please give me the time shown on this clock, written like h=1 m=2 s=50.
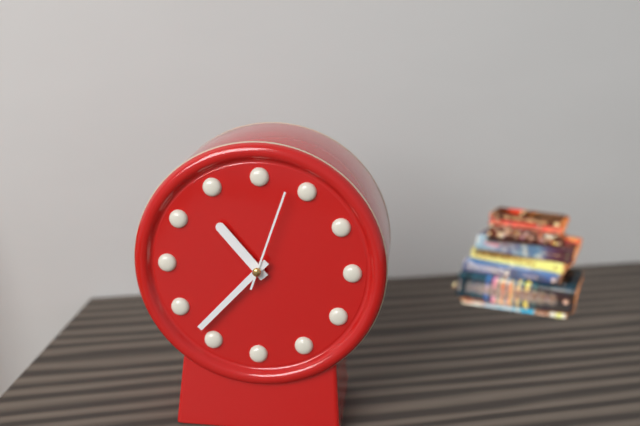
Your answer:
h=10 m=37 s=3
